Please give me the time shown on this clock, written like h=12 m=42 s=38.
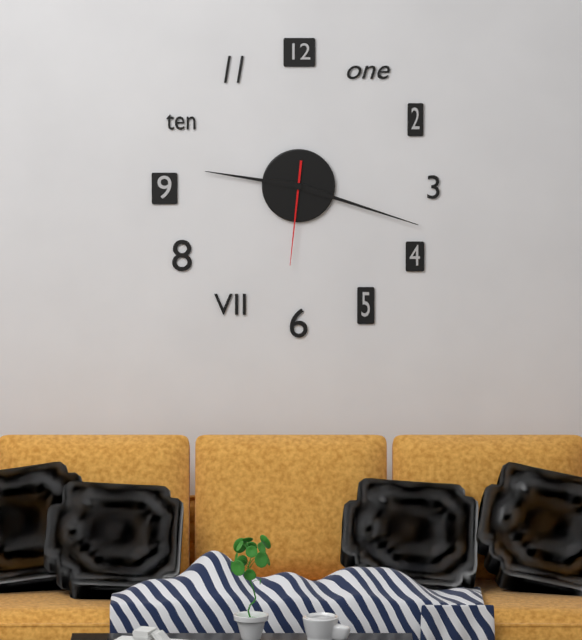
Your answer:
h=9 m=18 s=31
